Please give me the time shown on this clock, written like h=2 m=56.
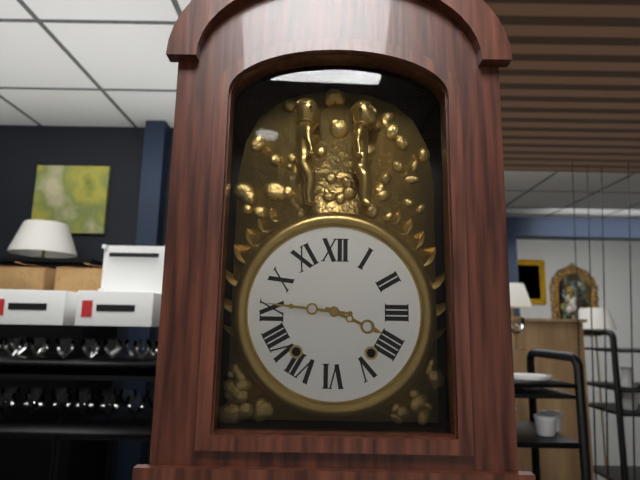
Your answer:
h=3 m=46
